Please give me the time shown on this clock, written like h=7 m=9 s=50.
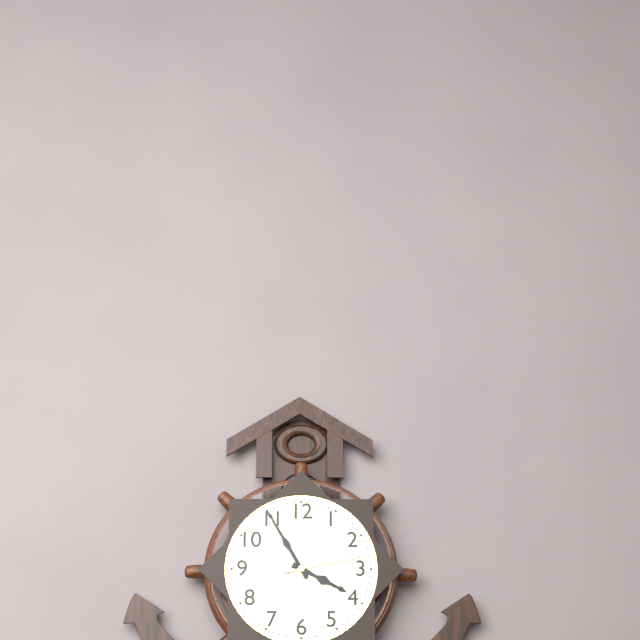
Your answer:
h=3 m=55 s=13
